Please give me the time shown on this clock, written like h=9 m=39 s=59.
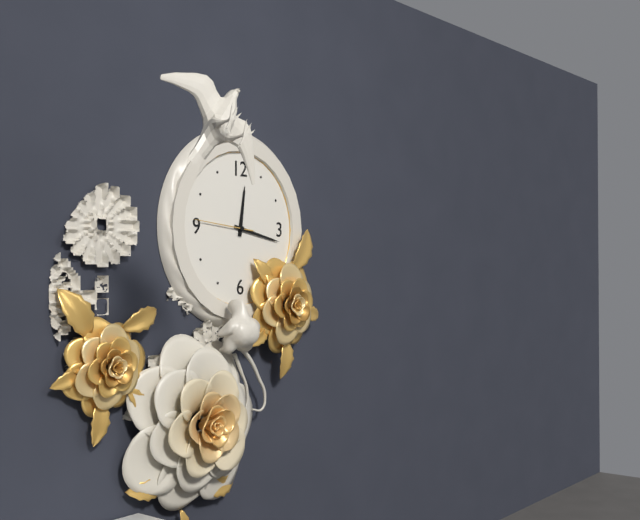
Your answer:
h=12 m=17 s=46
